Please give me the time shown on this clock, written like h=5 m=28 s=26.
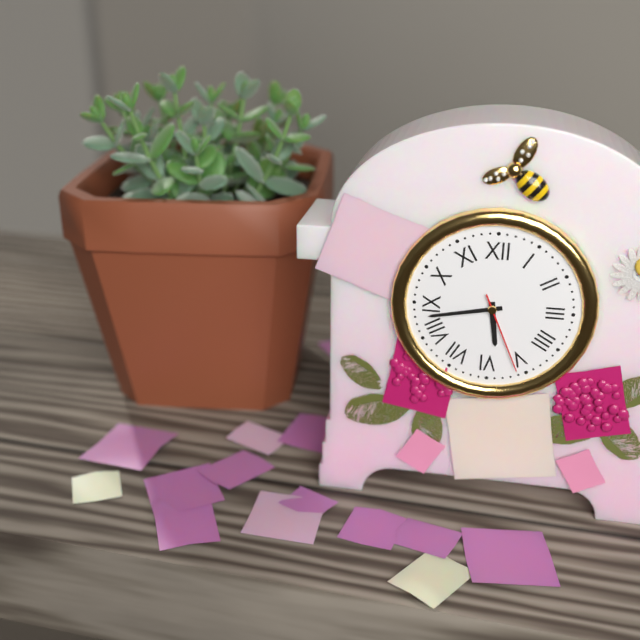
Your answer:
h=5 m=43 s=26
